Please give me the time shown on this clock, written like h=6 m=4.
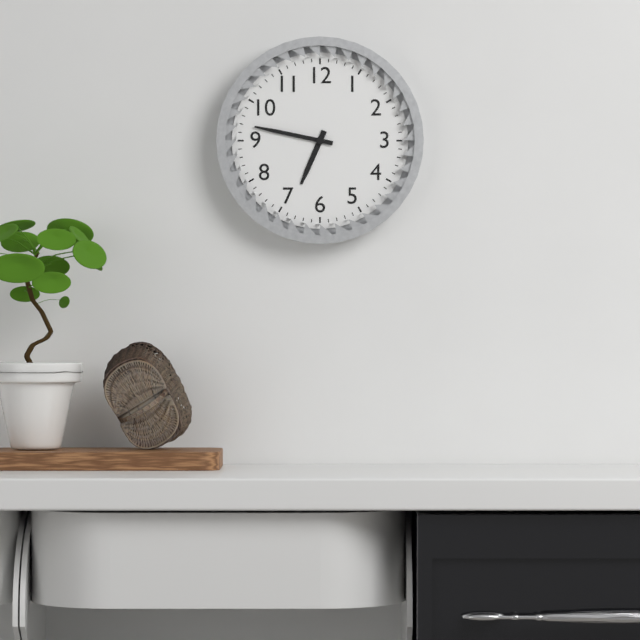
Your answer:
h=6 m=47
